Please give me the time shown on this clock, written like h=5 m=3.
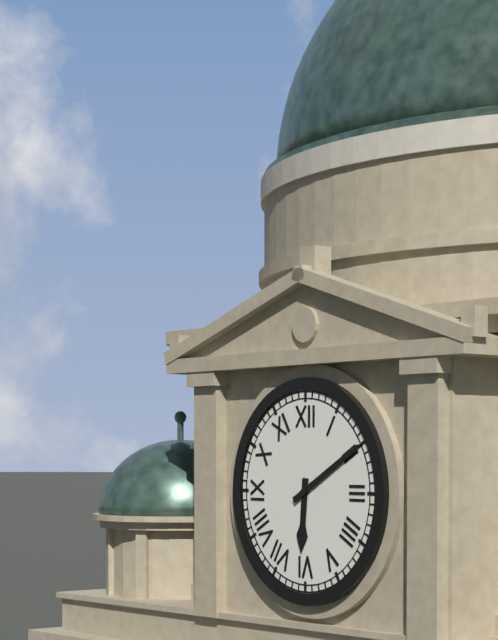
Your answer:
h=6 m=10
